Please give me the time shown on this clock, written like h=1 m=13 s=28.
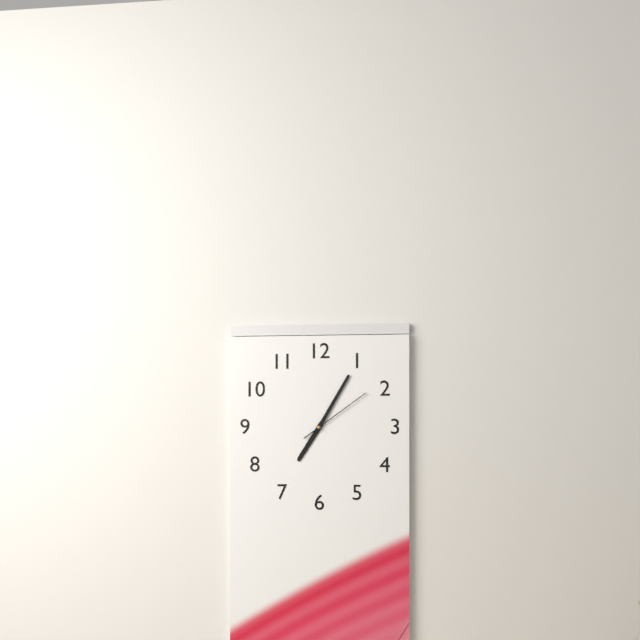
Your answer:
h=7 m=5 s=9
